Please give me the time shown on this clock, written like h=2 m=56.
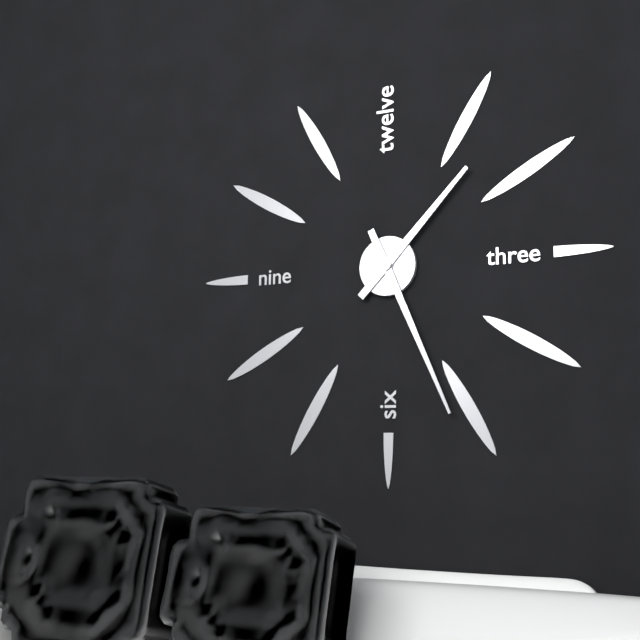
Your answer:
h=1 m=26
